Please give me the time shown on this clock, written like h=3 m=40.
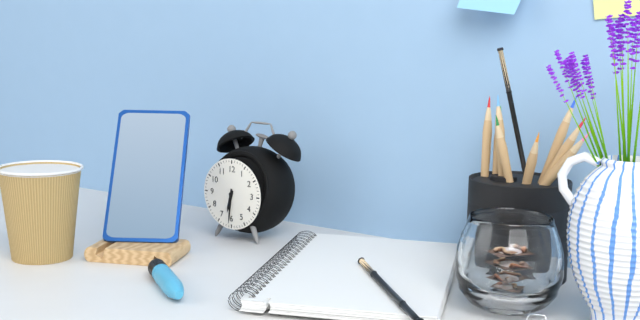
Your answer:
h=6 m=31
